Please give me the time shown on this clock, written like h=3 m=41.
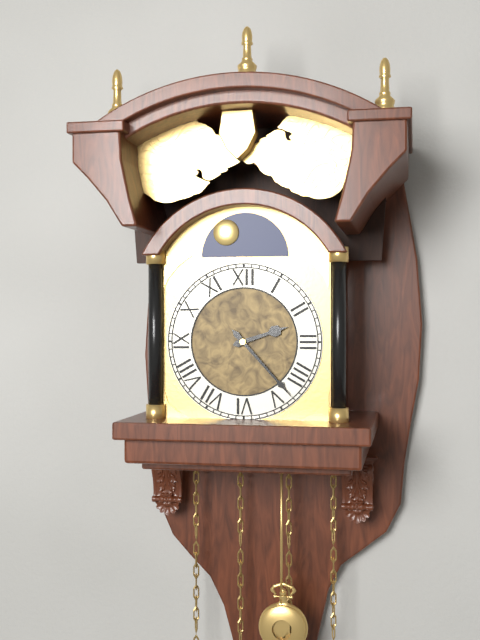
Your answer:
h=2 m=23
